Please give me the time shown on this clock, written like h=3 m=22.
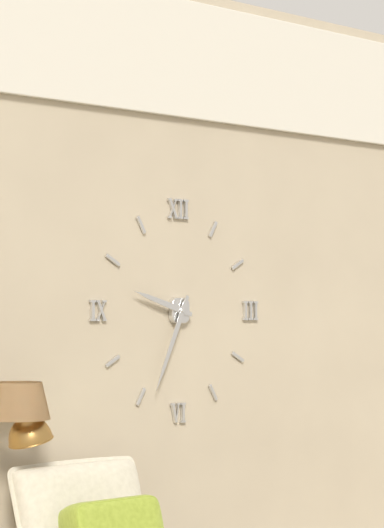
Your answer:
h=9 m=34
